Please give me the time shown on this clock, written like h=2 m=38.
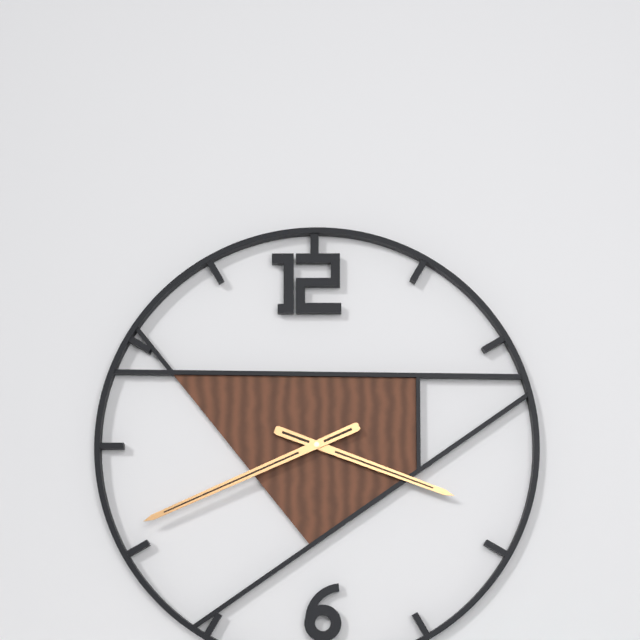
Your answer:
h=3 m=41
